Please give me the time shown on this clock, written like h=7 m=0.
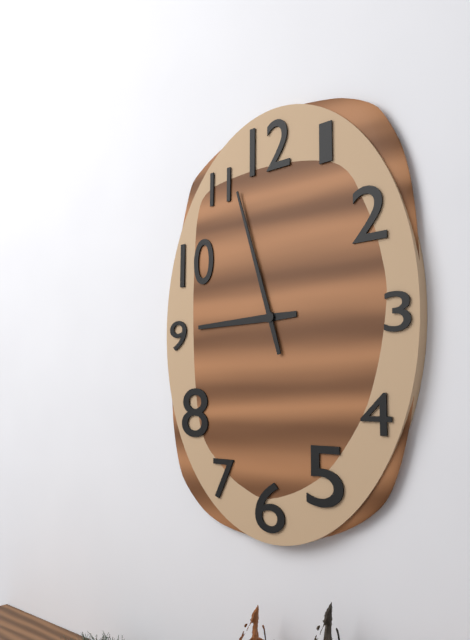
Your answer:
h=8 m=57
